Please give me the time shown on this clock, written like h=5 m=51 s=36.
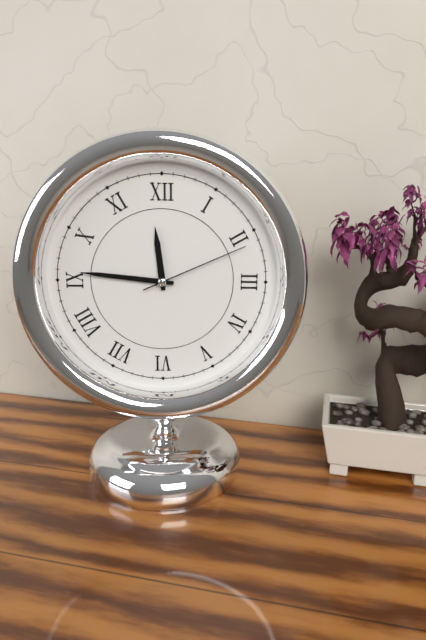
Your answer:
h=11 m=46 s=11
